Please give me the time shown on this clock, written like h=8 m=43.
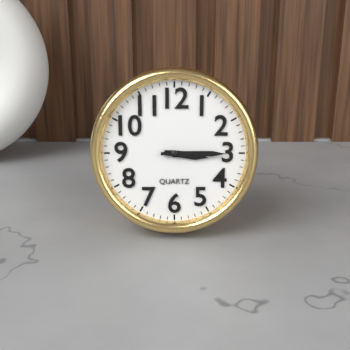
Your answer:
h=3 m=15
